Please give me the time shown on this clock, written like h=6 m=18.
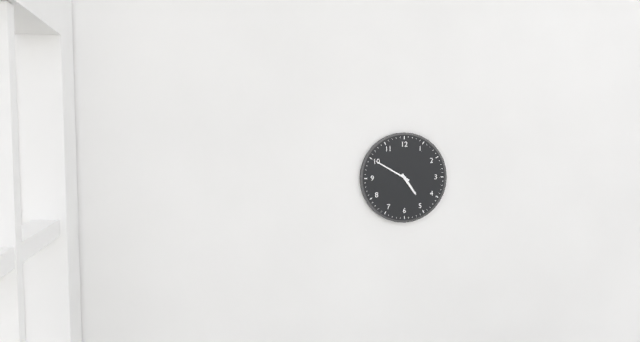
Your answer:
h=4 m=50
